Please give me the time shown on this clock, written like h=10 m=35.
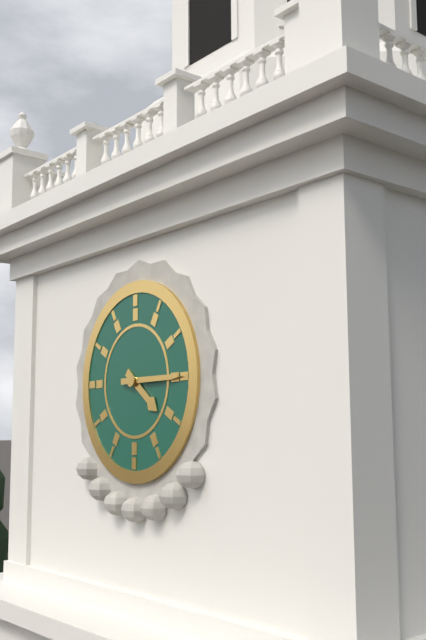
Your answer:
h=4 m=15
